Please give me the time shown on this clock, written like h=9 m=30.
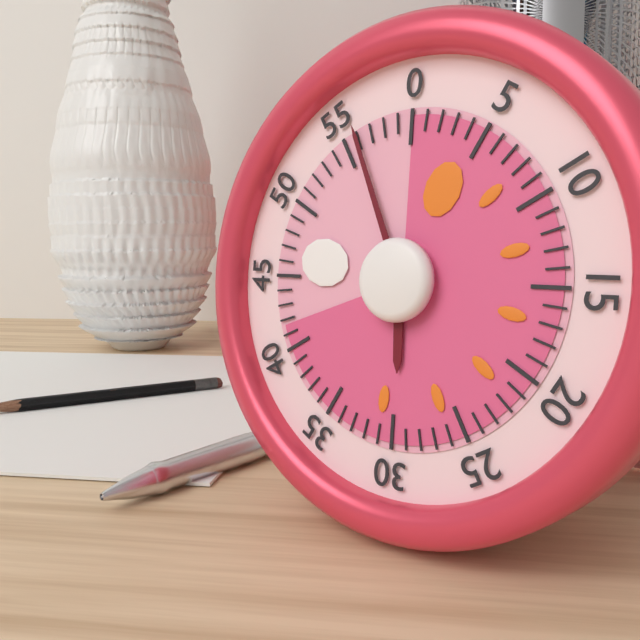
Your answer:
h=5 m=56
